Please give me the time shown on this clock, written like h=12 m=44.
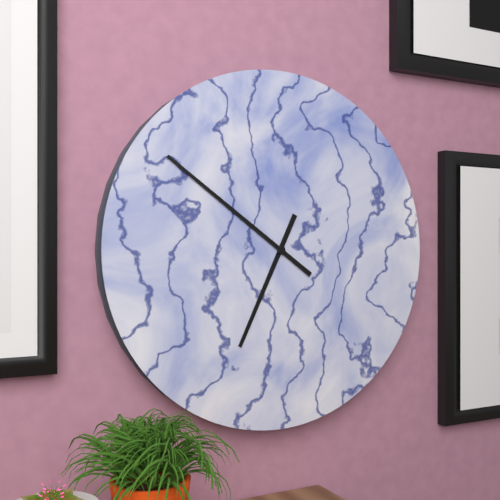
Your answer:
h=6 m=51
